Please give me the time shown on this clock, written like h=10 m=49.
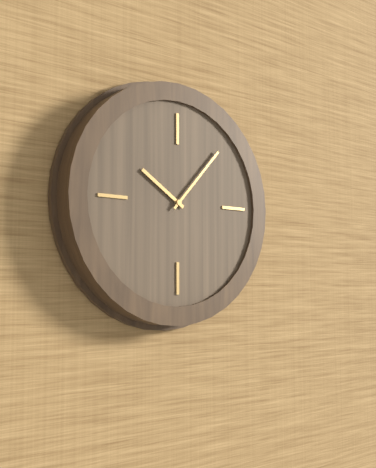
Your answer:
h=10 m=7
